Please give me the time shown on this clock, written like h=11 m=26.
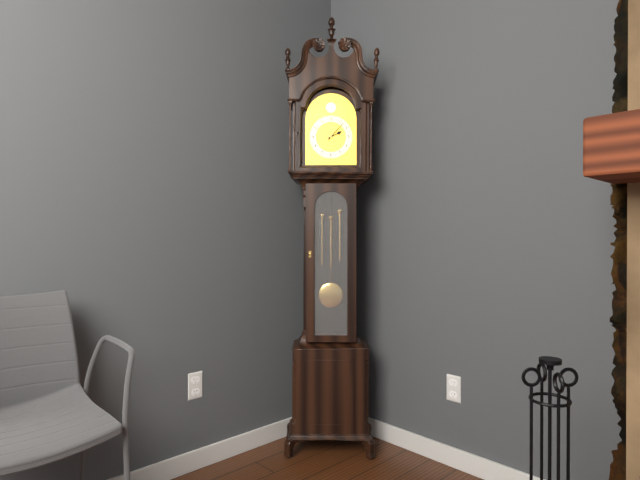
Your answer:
h=2 m=7
